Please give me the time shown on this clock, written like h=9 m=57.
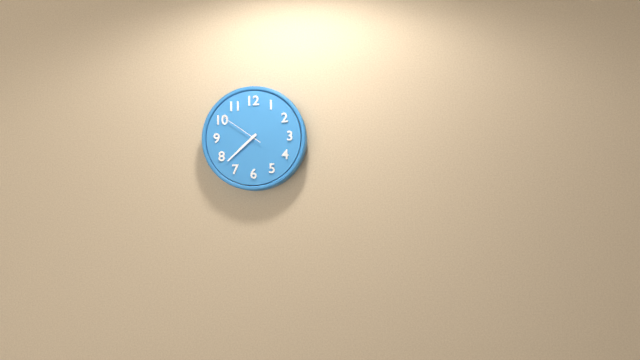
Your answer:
h=7 m=38
